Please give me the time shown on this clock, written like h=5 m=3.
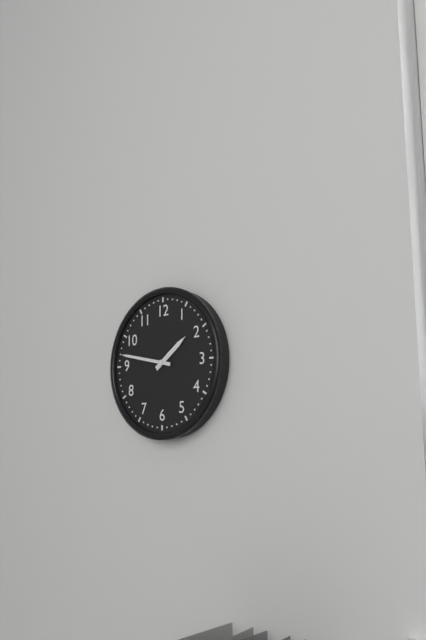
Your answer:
h=1 m=47
